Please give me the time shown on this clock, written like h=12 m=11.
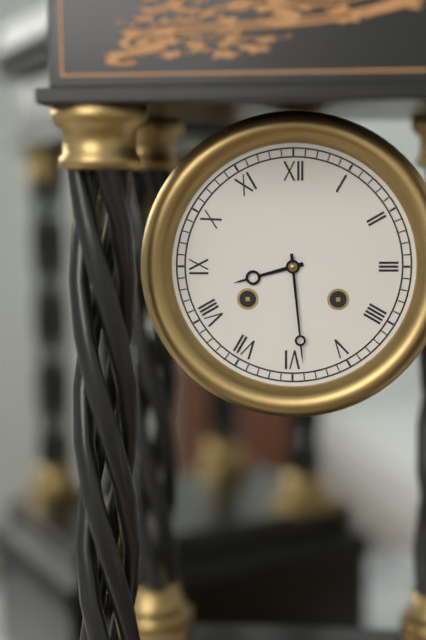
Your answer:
h=8 m=29
